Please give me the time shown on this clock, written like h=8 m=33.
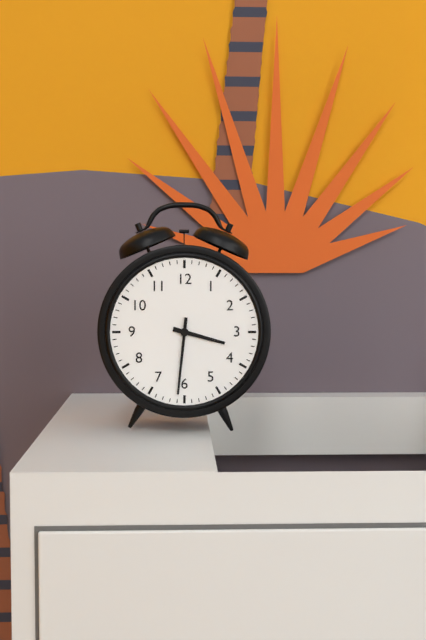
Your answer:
h=3 m=31
